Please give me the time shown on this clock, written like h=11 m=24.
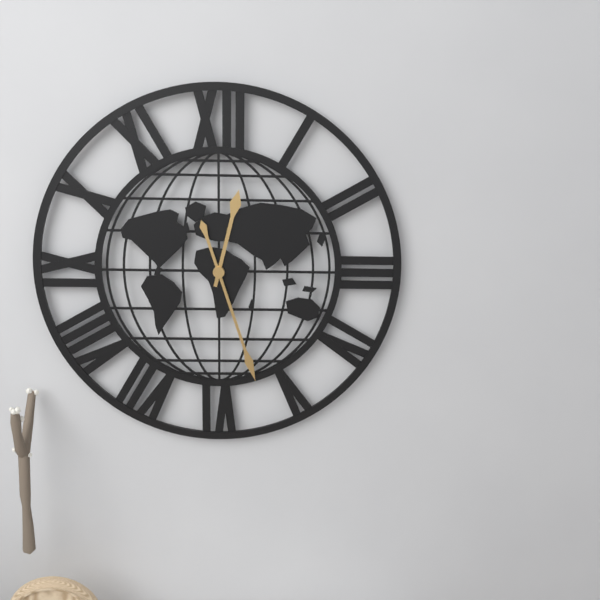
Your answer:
h=12 m=27
